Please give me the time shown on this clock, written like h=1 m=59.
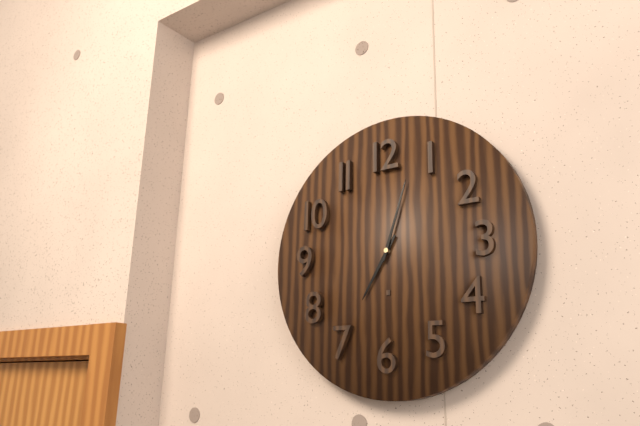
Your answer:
h=7 m=3
